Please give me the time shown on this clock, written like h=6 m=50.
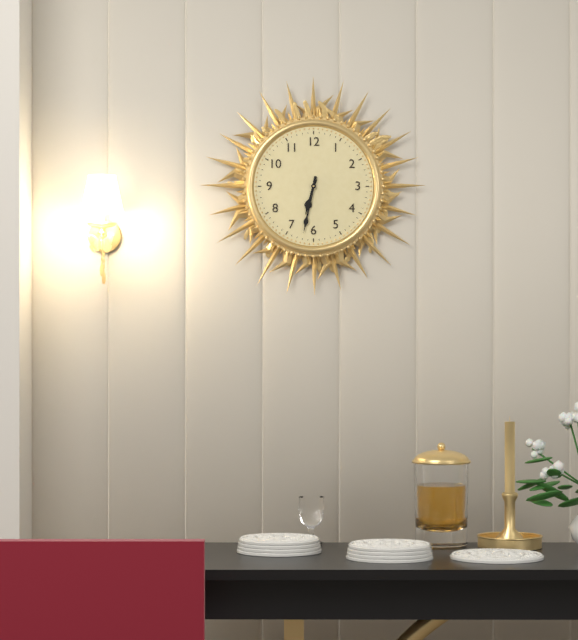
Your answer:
h=6 m=32
